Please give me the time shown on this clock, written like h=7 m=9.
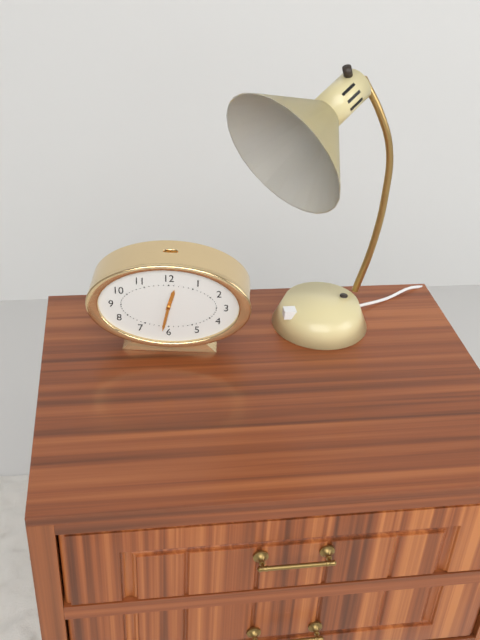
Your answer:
h=12 m=32
